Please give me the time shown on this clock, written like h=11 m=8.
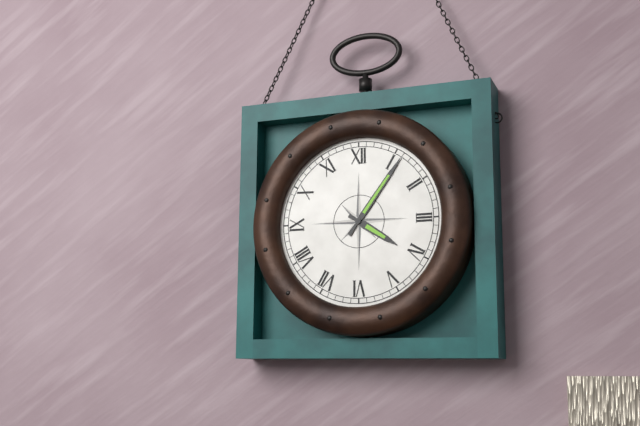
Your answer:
h=4 m=6
